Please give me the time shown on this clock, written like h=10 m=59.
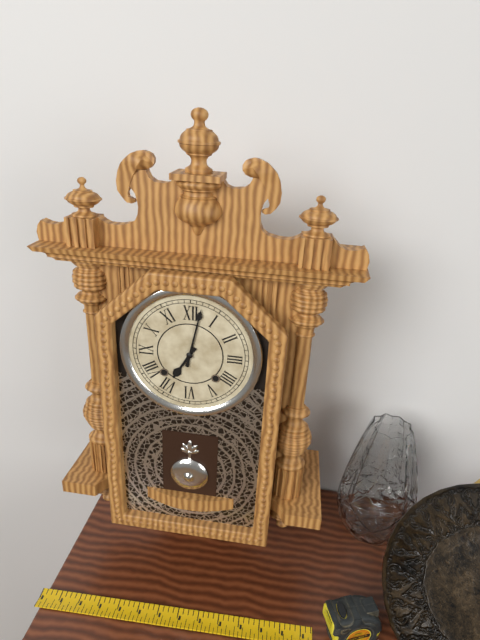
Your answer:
h=7 m=2
